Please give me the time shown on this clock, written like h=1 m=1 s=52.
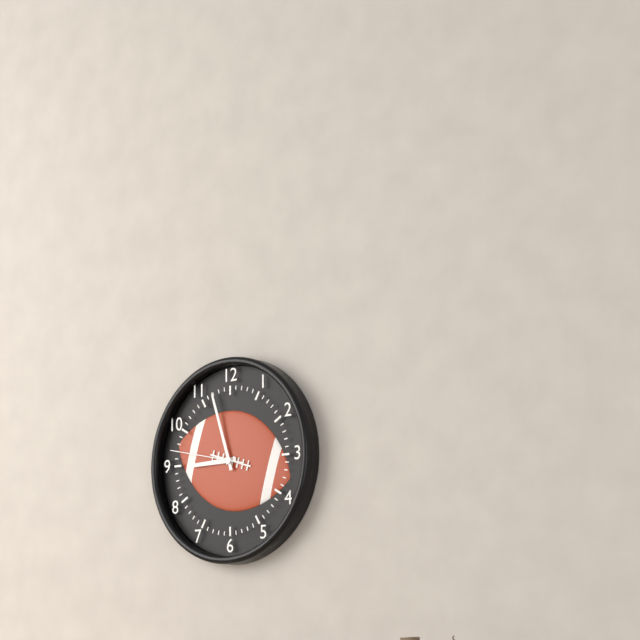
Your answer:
h=8 m=57 s=47
